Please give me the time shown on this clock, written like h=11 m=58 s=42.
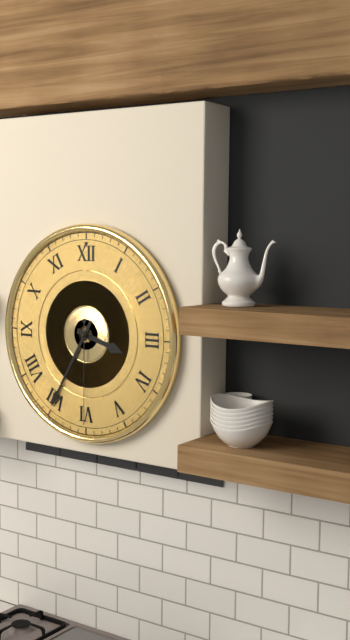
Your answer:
h=3 m=35 s=30
